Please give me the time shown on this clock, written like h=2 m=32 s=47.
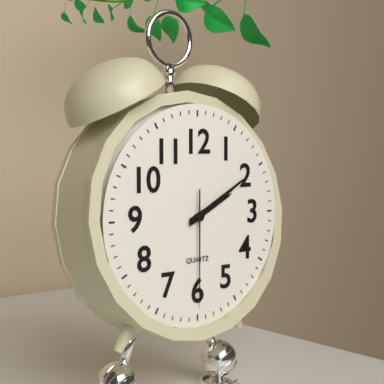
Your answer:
h=2 m=10 s=30
